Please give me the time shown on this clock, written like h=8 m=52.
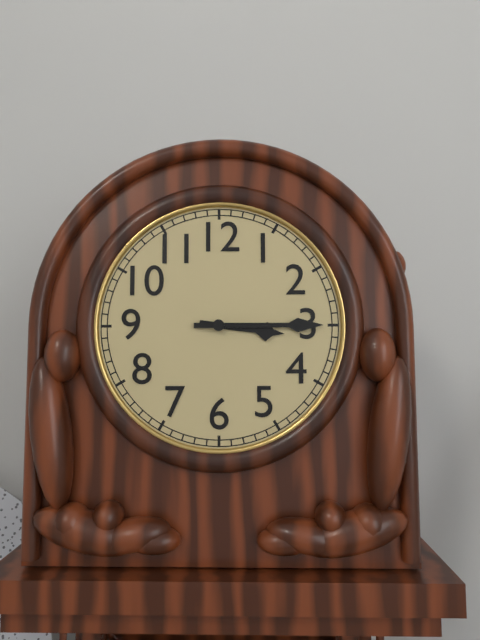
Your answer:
h=3 m=15
